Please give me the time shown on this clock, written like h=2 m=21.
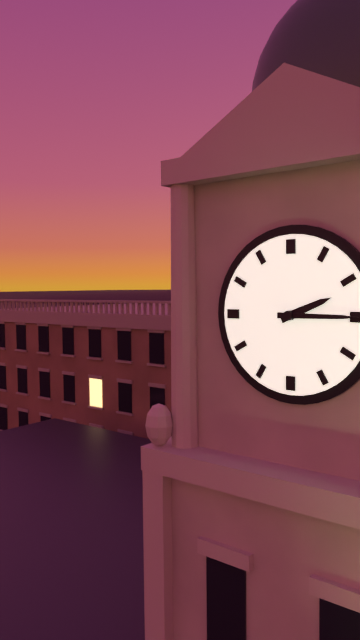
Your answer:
h=2 m=15
